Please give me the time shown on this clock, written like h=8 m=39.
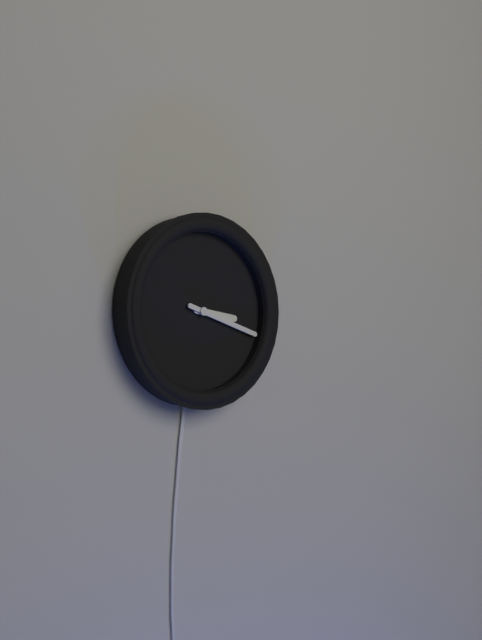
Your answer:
h=3 m=18
